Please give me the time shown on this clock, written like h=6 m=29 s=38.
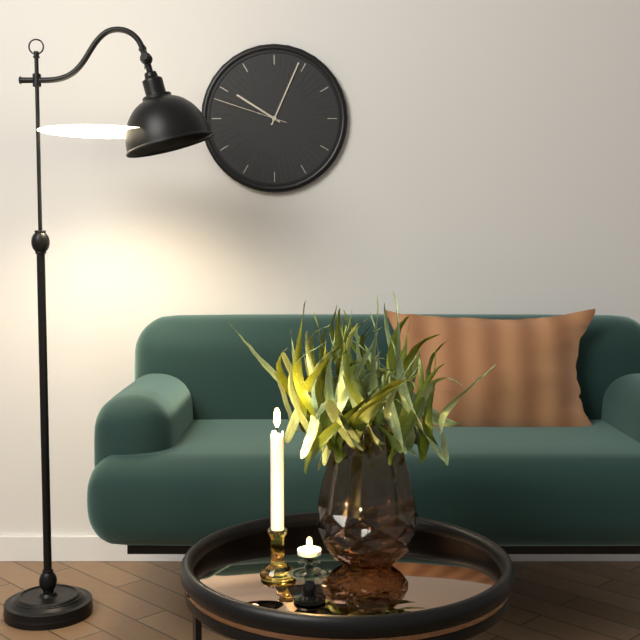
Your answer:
h=10 m=4 s=48
